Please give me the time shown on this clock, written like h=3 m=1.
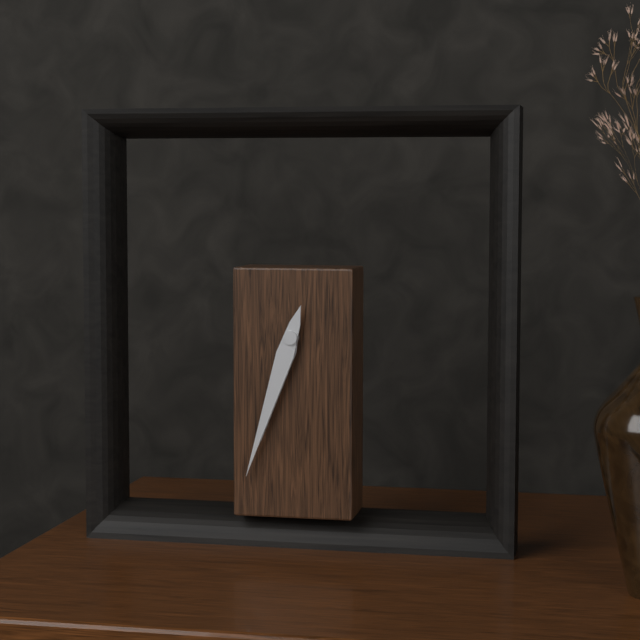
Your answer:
h=6 m=33
